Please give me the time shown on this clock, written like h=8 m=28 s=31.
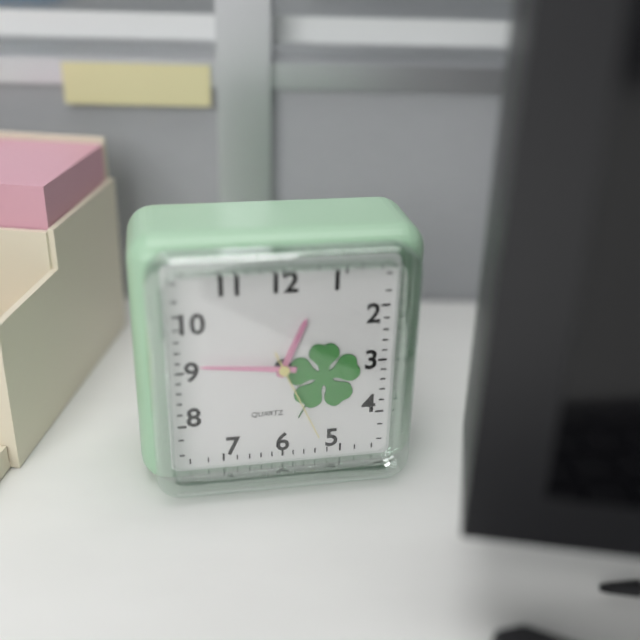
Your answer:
h=12 m=46 s=26
